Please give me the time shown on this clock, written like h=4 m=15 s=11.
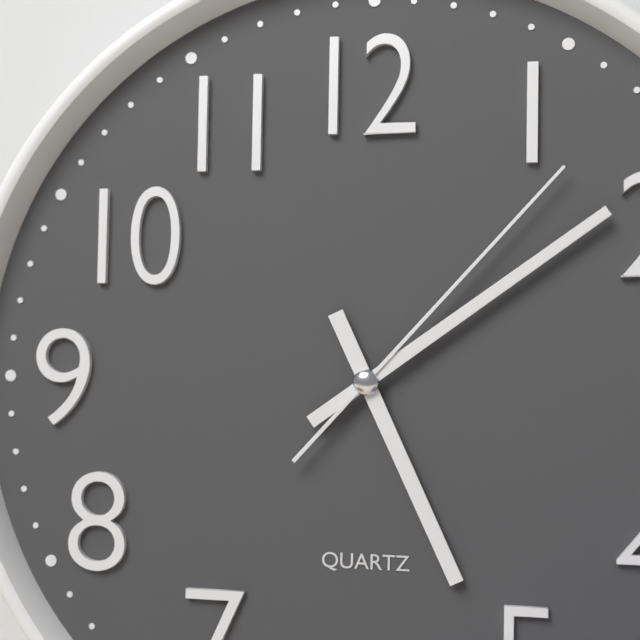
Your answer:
h=5 m=9 s=7
